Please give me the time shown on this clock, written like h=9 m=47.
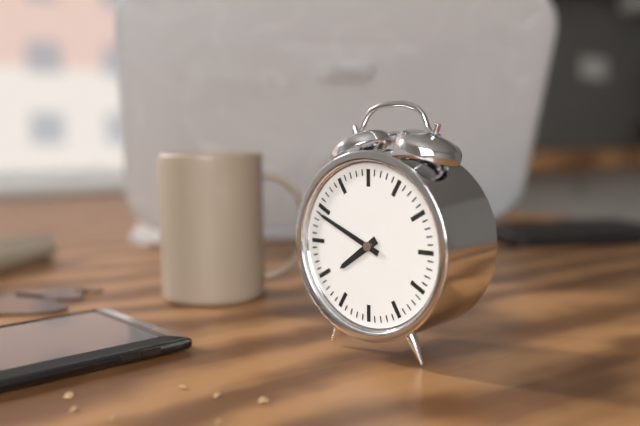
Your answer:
h=7 m=49
